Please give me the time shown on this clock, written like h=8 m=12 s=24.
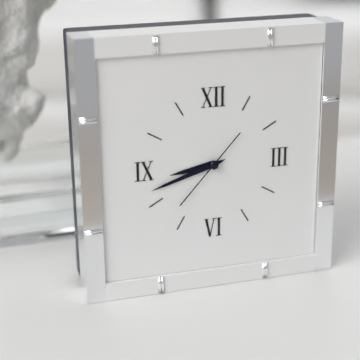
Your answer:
h=8 m=42 s=37
